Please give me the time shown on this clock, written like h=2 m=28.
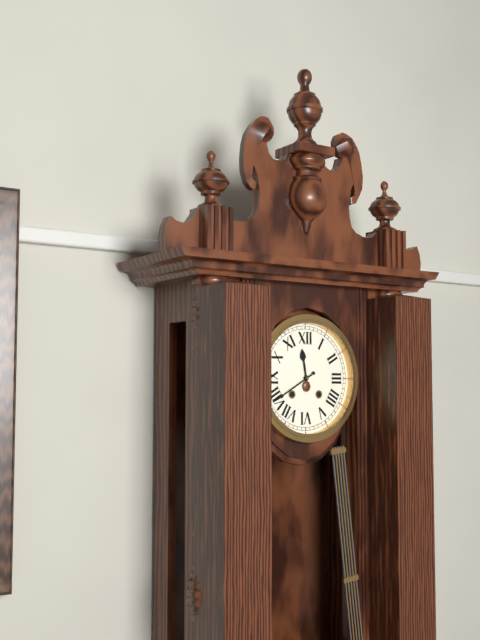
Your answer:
h=11 m=40
